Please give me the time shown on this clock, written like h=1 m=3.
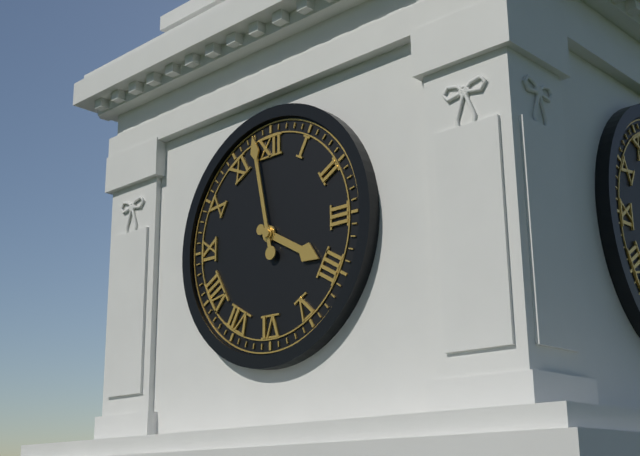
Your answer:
h=3 m=58
